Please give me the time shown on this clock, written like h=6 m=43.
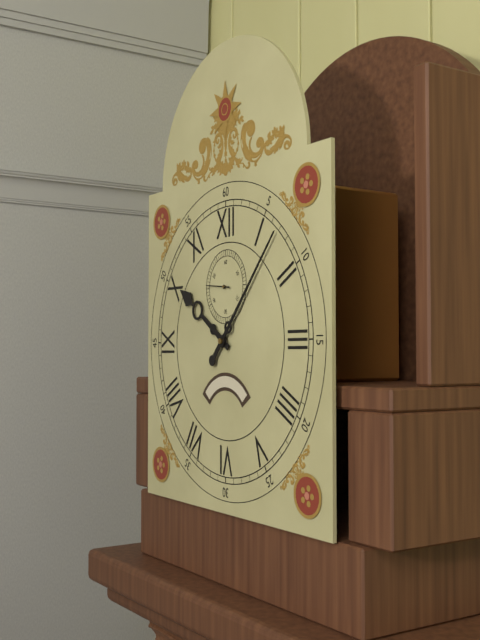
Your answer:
h=10 m=7
